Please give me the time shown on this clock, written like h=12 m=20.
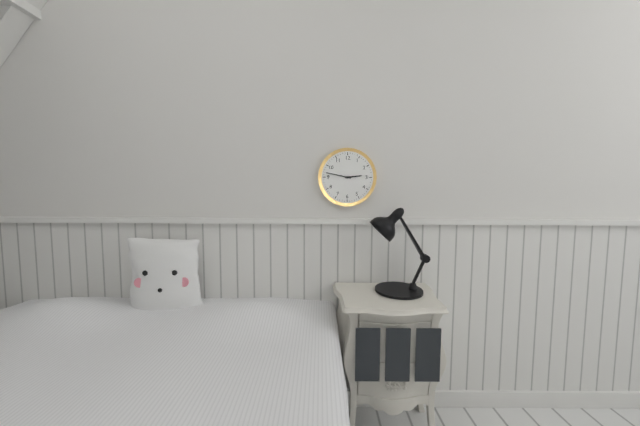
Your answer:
h=2 m=47
